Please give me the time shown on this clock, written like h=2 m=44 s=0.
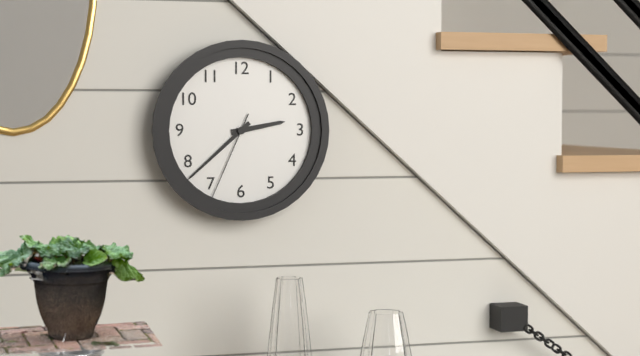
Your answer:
h=2 m=38 s=34
